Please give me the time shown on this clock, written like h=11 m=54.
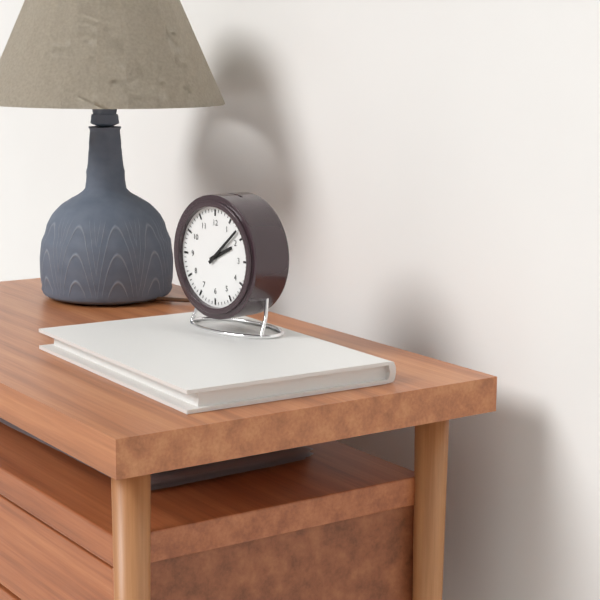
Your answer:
h=2 m=8
